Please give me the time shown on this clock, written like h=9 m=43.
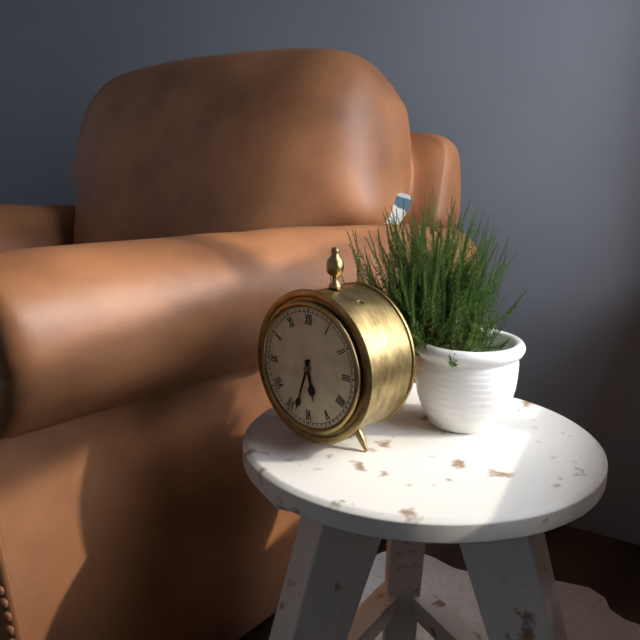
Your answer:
h=5 m=33
